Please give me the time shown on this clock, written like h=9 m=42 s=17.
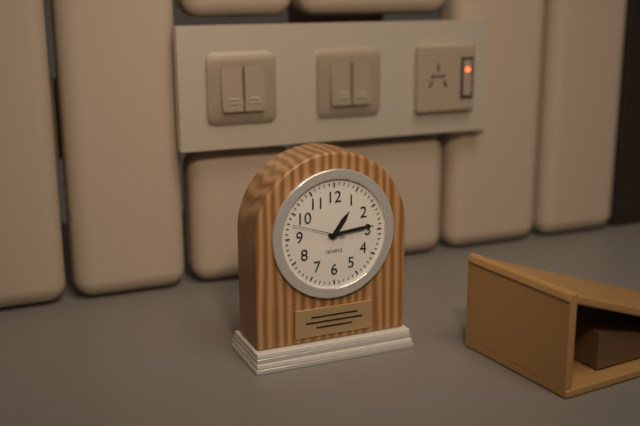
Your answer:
h=1 m=14 s=48
